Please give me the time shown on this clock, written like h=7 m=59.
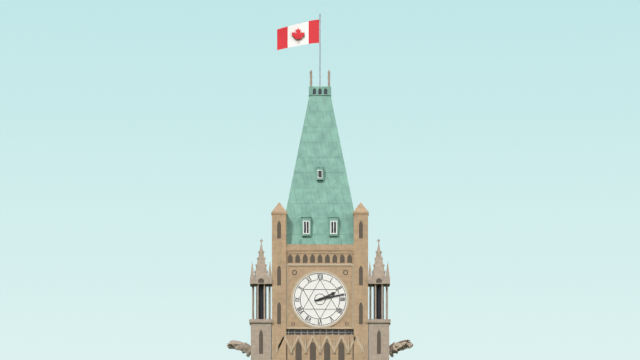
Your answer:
h=2 m=13
